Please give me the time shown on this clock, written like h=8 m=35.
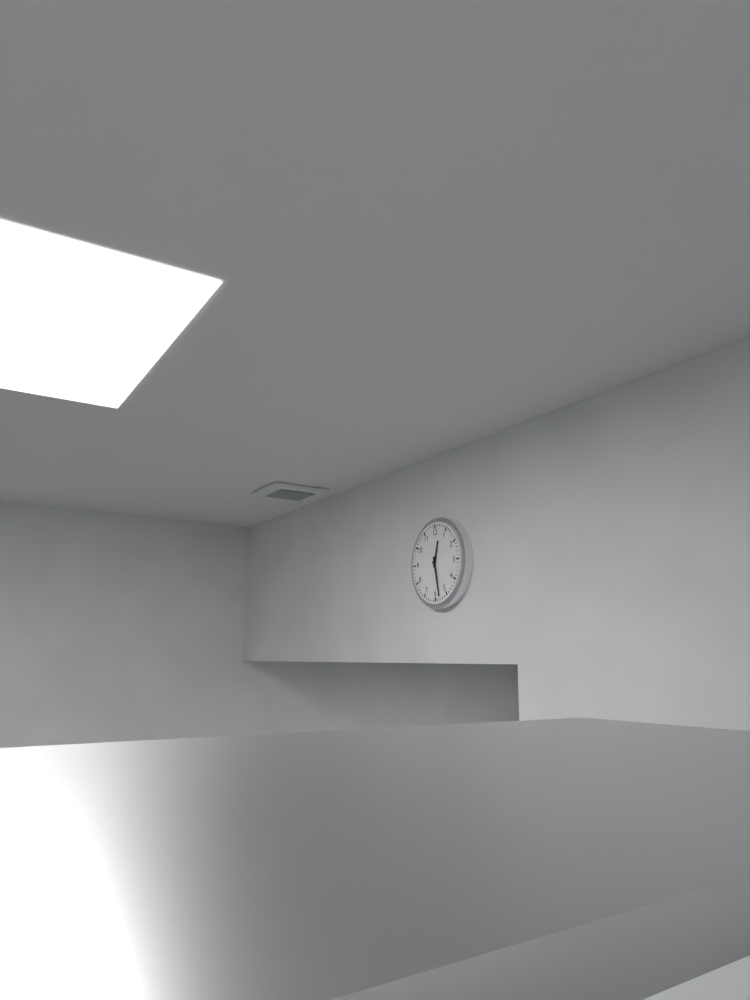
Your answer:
h=12 m=28
